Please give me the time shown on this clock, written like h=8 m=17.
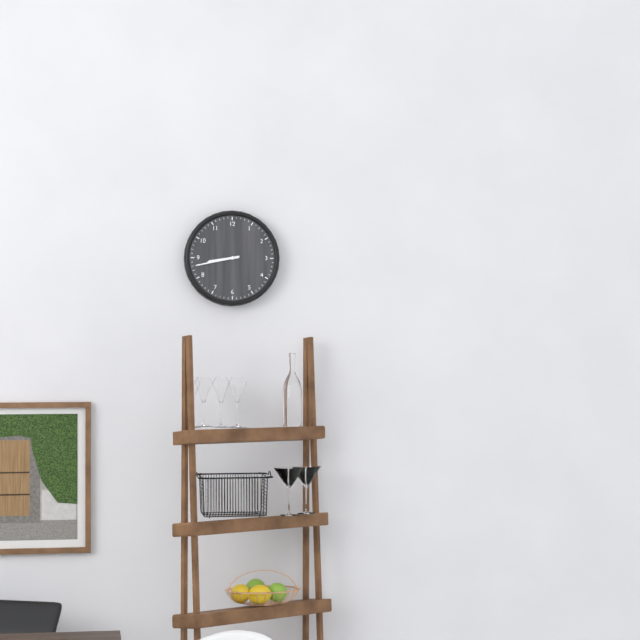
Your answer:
h=8 m=43
